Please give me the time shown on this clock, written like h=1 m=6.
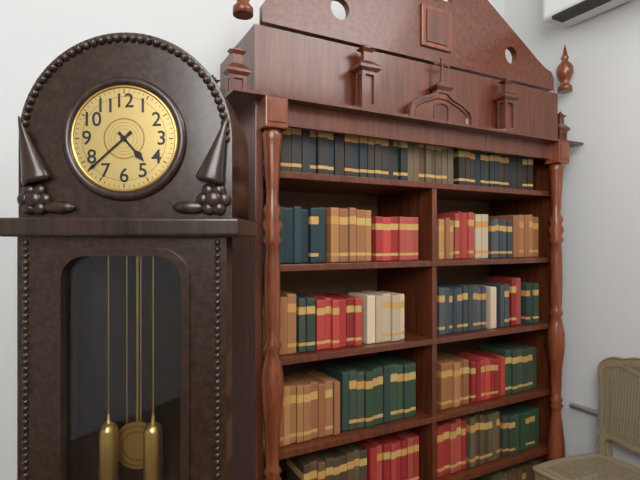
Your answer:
h=4 m=38
